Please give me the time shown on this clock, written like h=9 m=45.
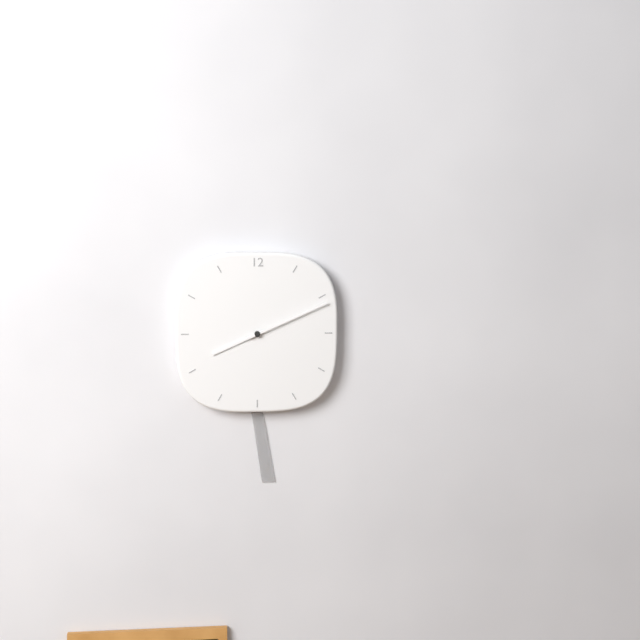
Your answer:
h=8 m=11
